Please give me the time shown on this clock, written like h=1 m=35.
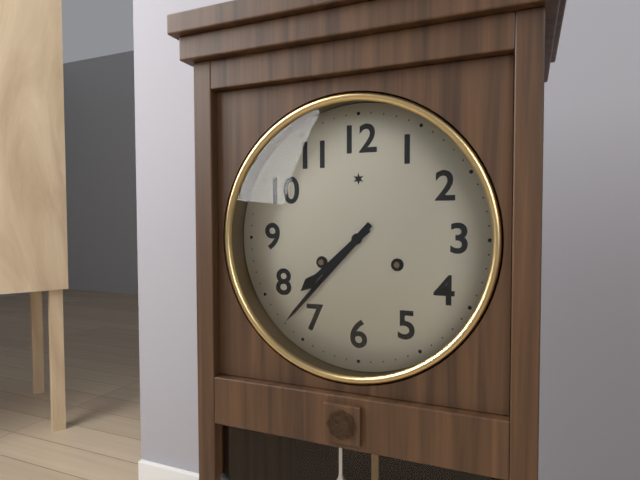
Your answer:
h=7 m=37
